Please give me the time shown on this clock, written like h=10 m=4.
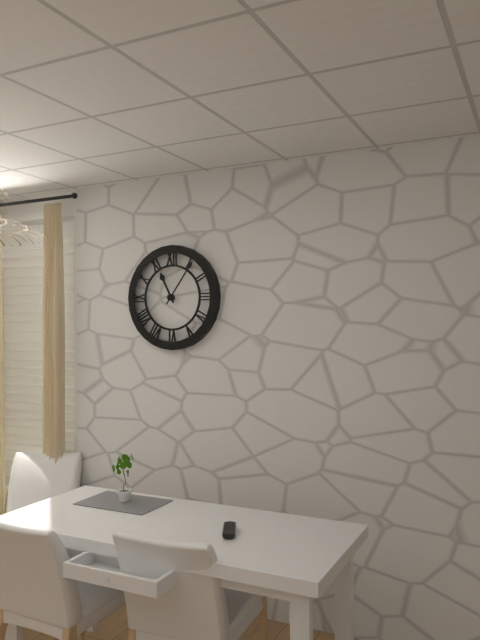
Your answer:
h=11 m=6
